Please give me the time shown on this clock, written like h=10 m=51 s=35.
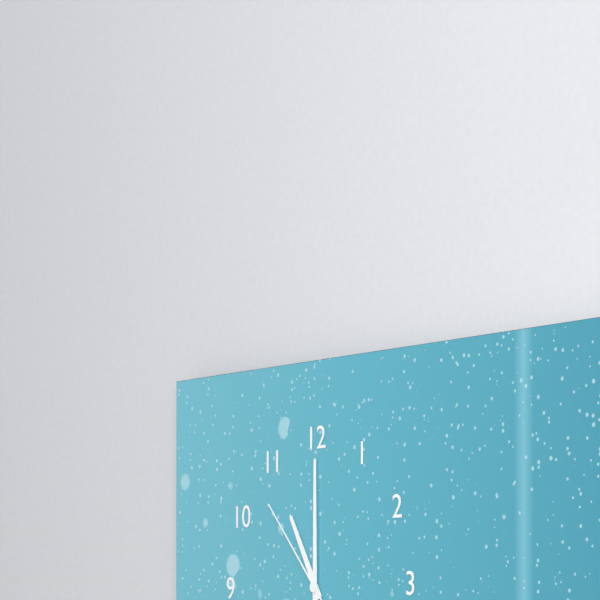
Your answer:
h=11 m=0 s=53
